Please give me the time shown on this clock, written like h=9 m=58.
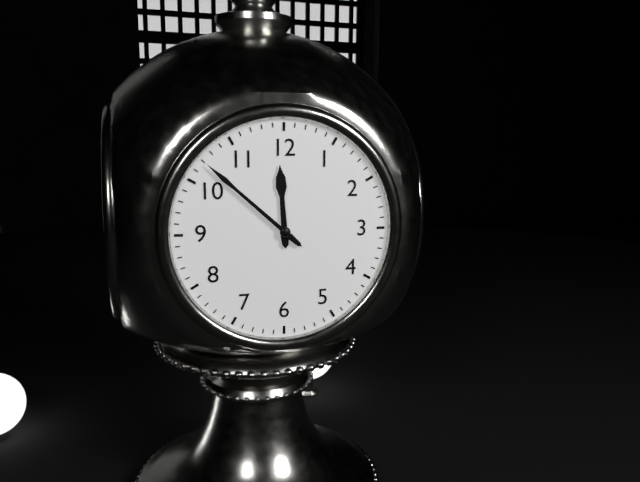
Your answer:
h=11 m=52
